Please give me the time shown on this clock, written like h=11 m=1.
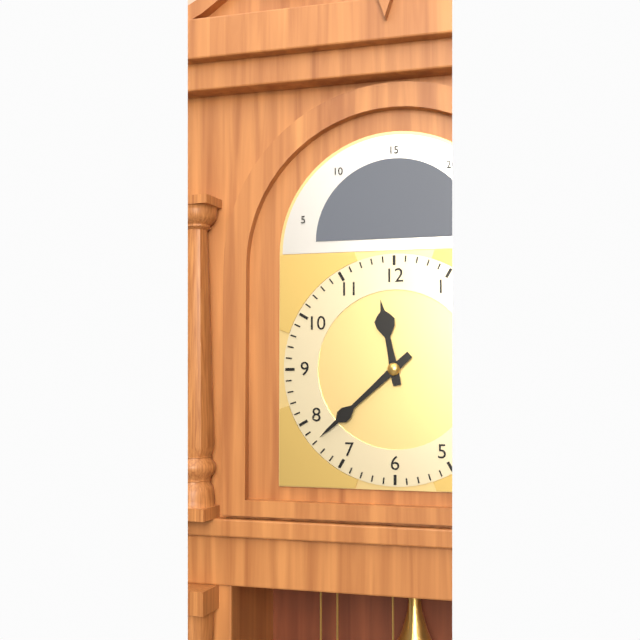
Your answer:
h=11 m=38
